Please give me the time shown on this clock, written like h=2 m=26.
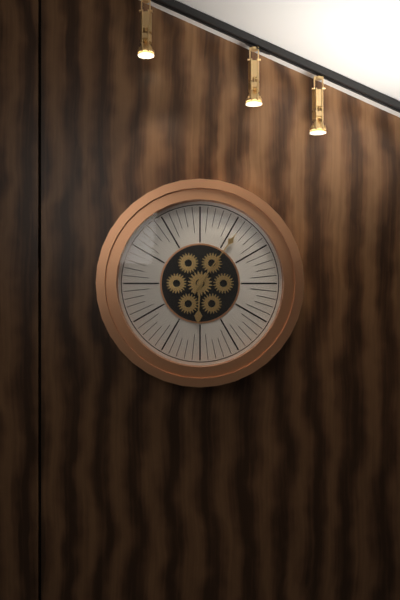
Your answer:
h=6 m=6
